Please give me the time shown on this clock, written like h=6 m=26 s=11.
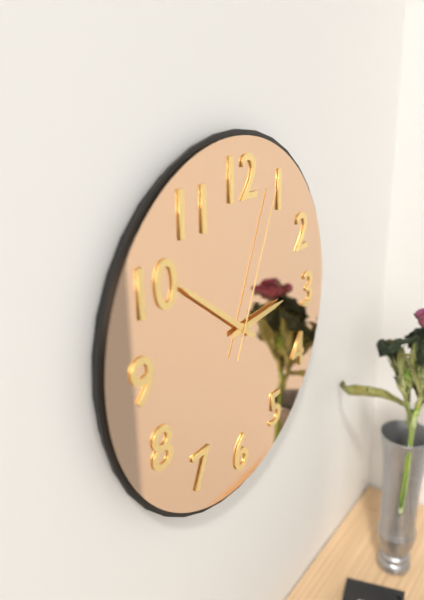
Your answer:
h=2 m=51 s=4
